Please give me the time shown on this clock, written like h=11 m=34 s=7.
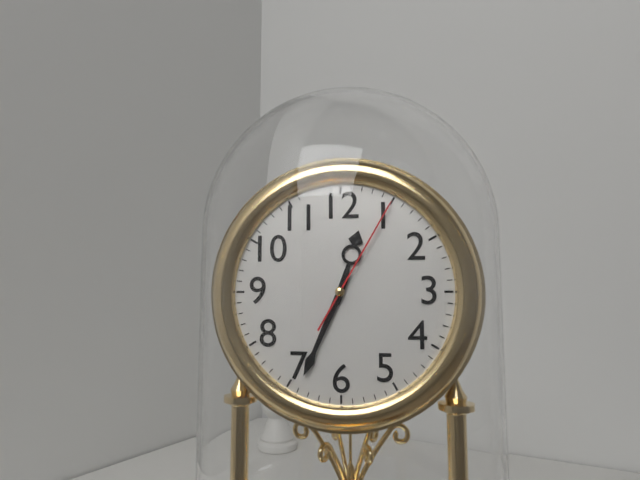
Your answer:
h=12 m=34 s=5
